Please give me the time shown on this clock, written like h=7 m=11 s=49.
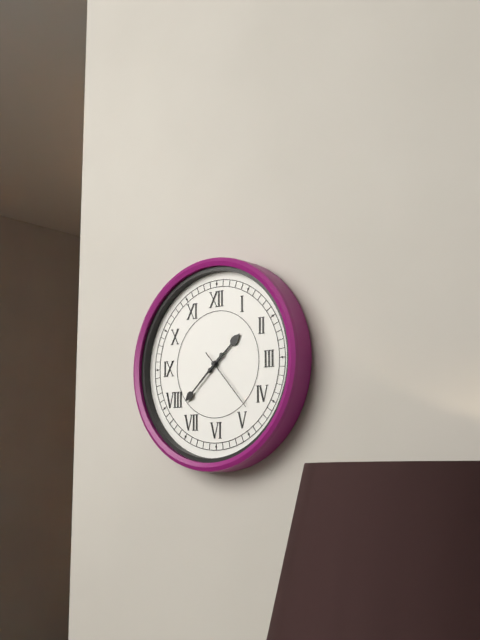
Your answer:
h=1 m=38 s=23
